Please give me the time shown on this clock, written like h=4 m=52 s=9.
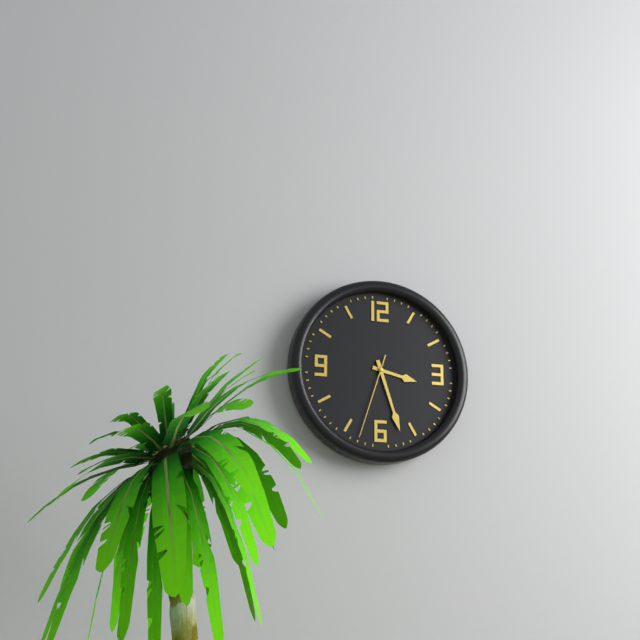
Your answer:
h=3 m=27 s=33
